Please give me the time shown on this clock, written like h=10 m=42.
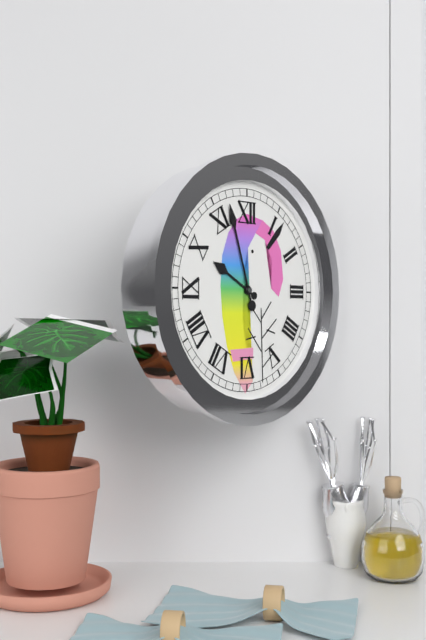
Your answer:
h=9 m=57
